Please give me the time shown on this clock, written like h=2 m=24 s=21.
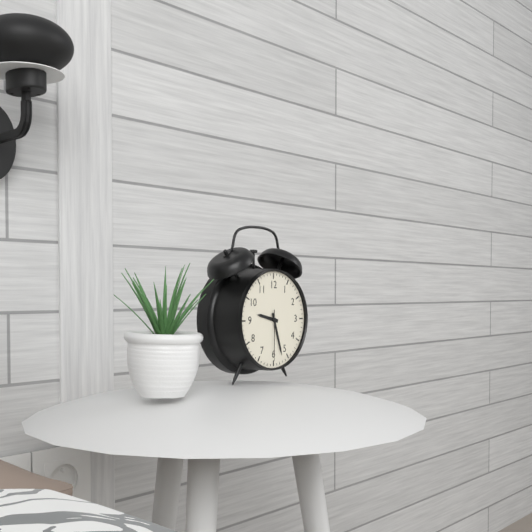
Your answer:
h=9 m=27 s=30
